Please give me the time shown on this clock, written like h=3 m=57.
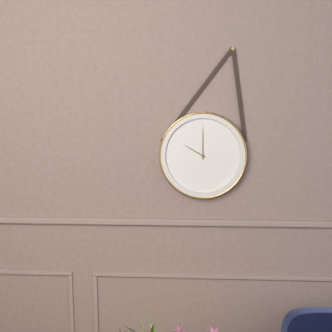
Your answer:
h=10 m=0
